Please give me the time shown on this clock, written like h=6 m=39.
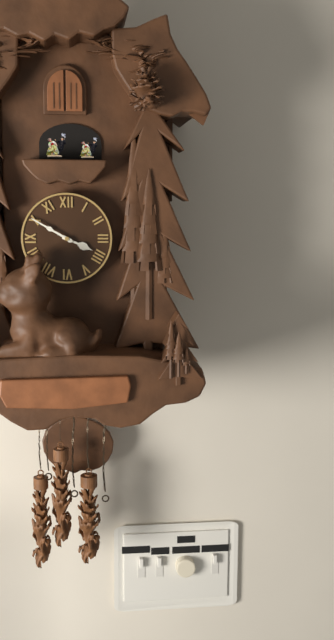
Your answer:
h=3 m=50
